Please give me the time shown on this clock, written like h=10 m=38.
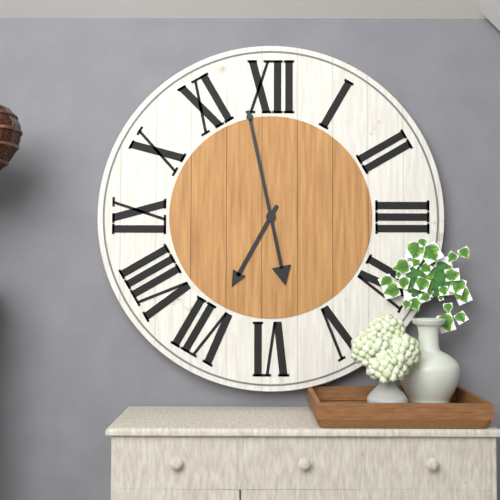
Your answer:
h=6 m=58
